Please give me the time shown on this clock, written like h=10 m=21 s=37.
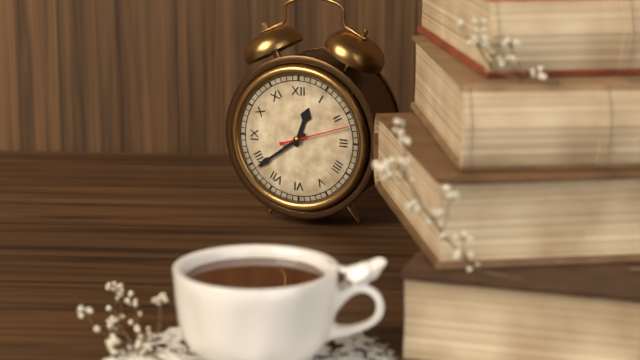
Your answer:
h=12 m=39 s=12
